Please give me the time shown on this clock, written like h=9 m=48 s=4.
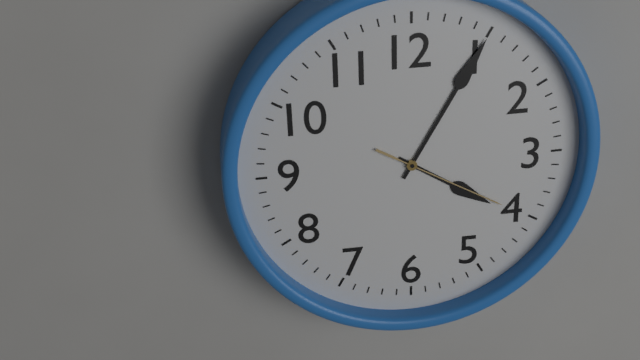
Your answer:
h=4 m=5 s=20
